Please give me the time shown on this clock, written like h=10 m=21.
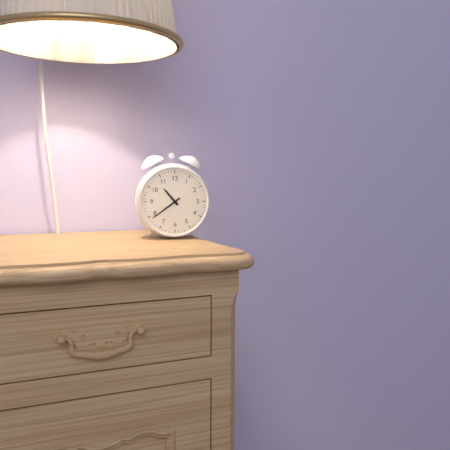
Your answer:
h=10 m=39
